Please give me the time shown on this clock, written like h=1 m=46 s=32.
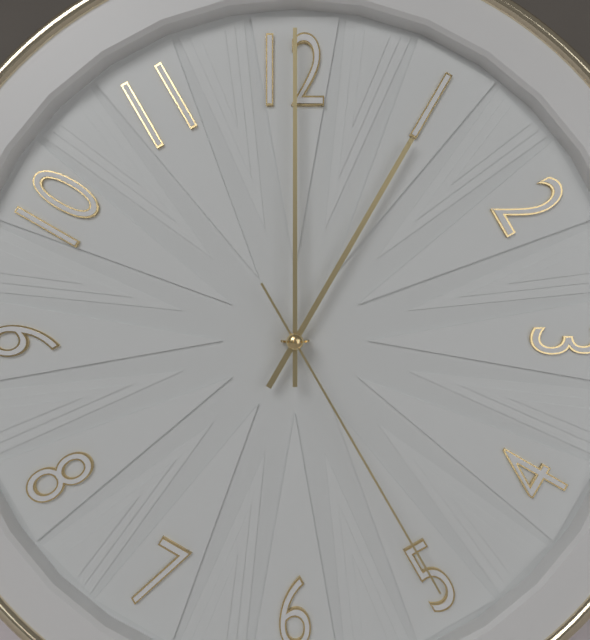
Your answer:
h=1 m=0 s=25
